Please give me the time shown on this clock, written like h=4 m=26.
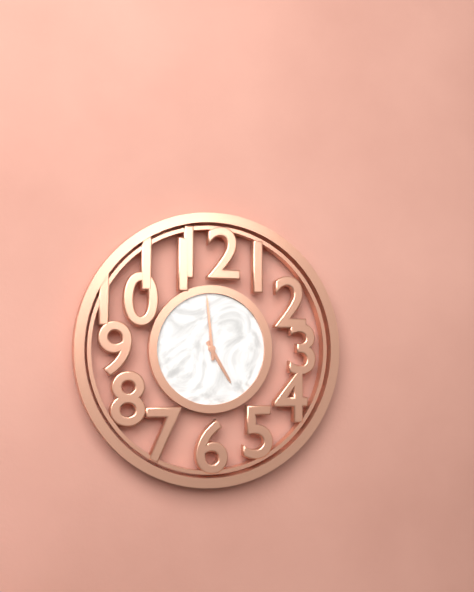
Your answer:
h=4 m=59
